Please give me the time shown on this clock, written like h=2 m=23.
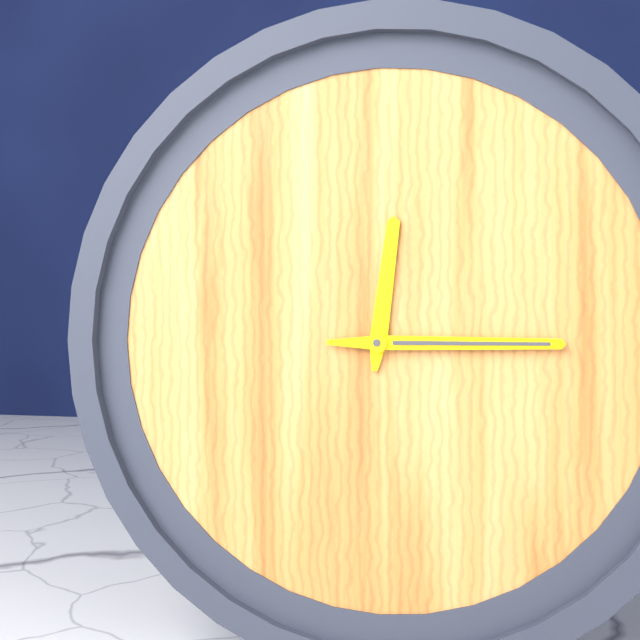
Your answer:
h=12 m=15
